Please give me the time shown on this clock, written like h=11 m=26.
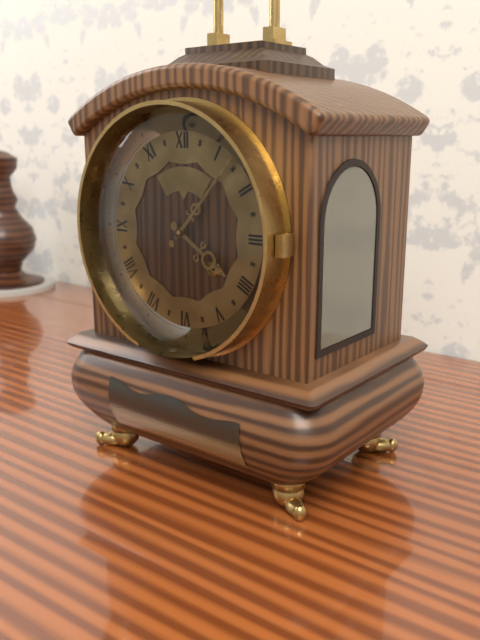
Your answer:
h=4 m=7
